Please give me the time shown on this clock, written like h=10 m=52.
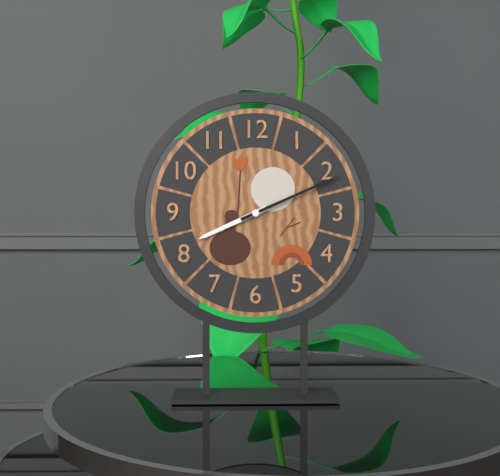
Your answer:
h=8 m=11
